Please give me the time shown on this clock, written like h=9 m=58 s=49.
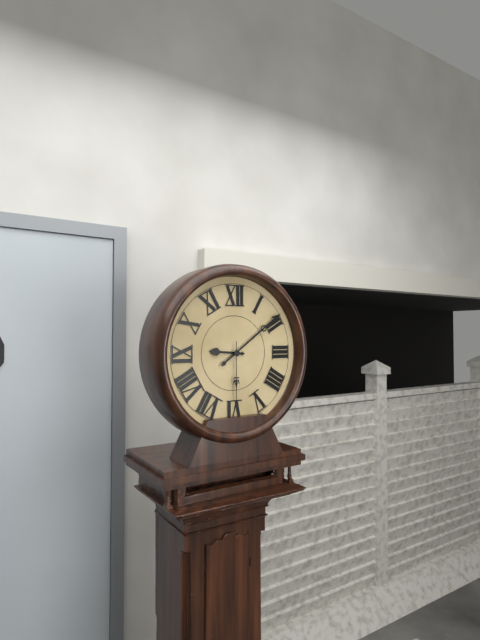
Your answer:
h=9 m=9 s=30
